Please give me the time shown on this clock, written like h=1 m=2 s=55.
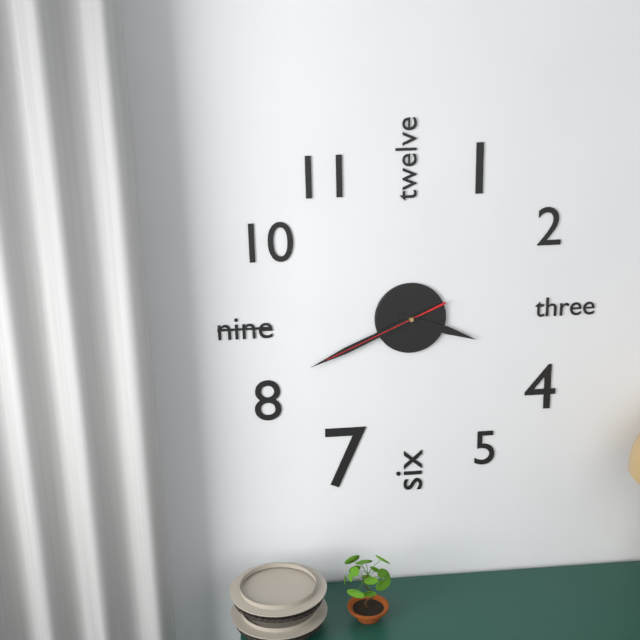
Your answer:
h=3 m=41 s=41
